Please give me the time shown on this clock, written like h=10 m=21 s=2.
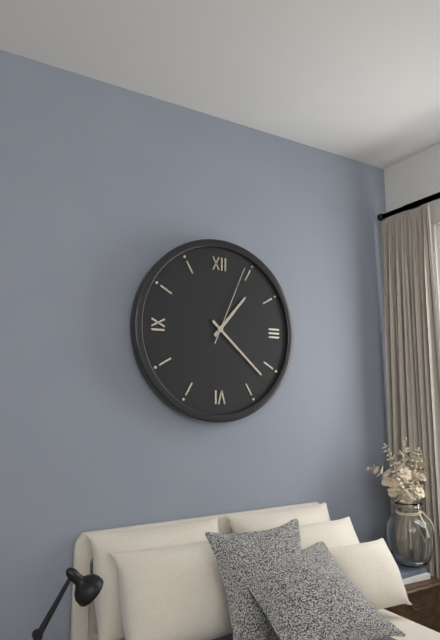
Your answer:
h=1 m=22 s=4
